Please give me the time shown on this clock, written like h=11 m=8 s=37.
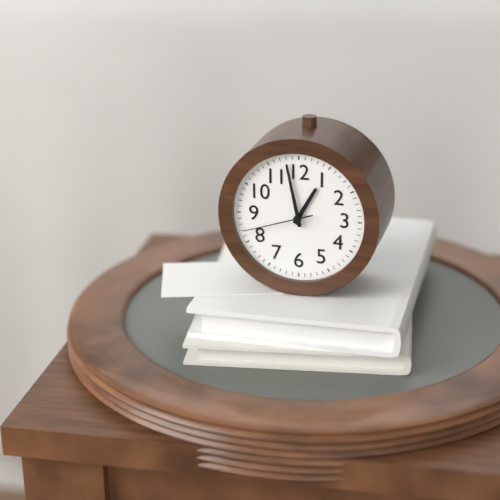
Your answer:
h=12 m=58 s=42
